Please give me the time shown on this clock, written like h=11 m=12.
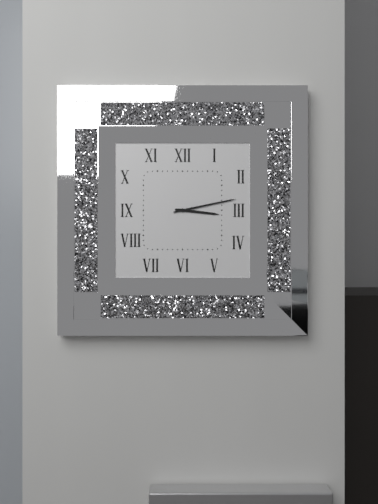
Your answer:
h=3 m=13
